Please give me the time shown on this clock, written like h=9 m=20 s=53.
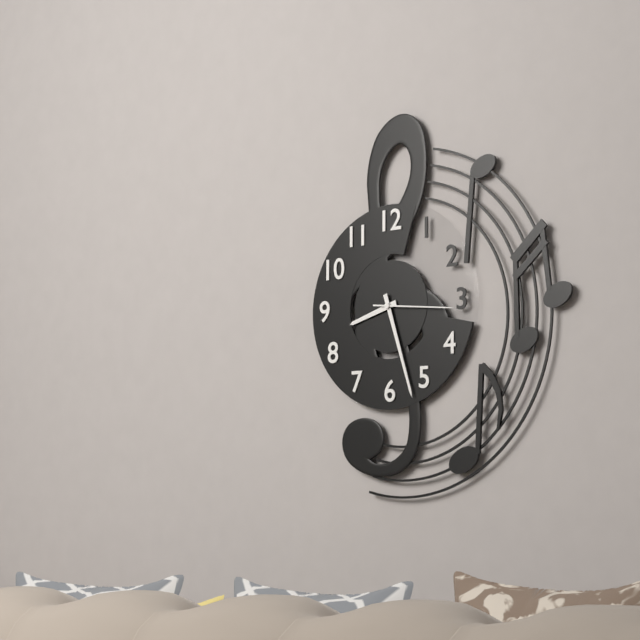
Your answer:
h=8 m=27 s=16
